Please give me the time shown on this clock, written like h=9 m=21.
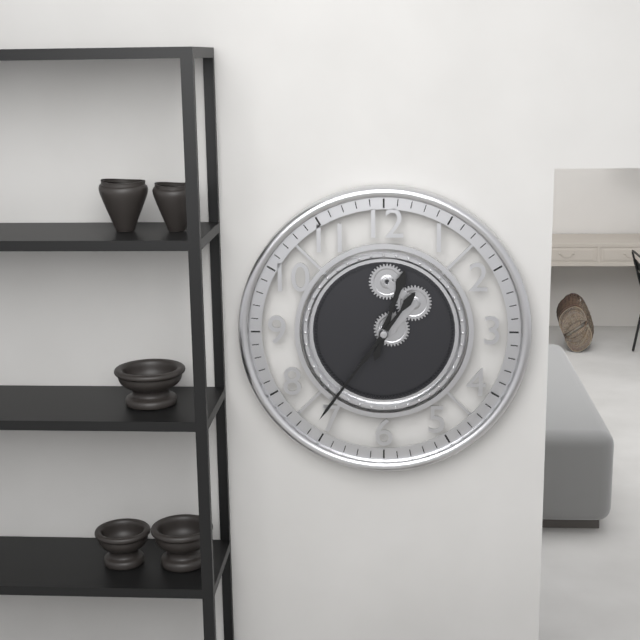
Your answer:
h=12 m=36
